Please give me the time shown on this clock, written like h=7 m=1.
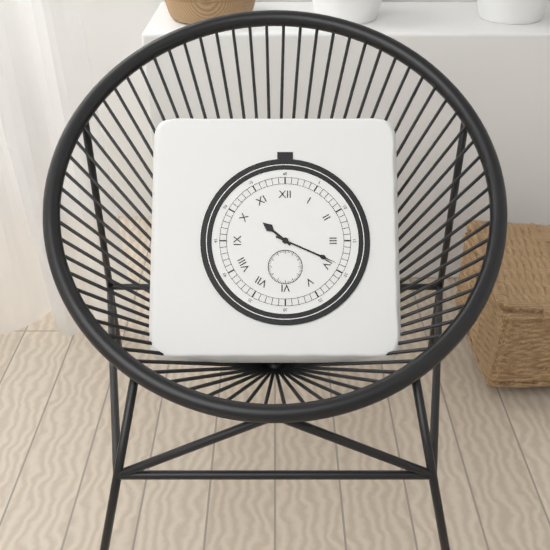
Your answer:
h=10 m=19
